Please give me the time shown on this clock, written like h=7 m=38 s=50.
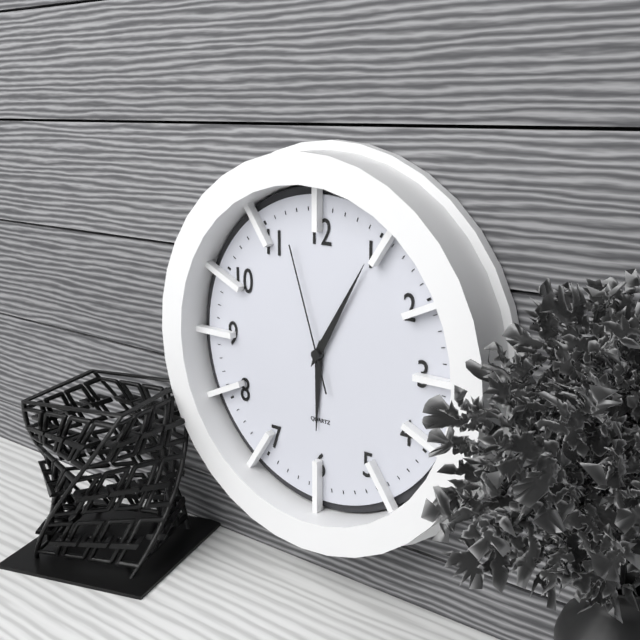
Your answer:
h=6 m=5 s=57
